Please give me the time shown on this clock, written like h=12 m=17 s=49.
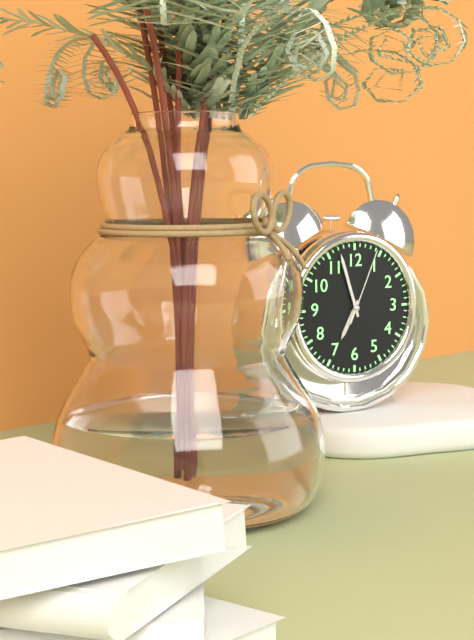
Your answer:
h=6 m=57 s=4
